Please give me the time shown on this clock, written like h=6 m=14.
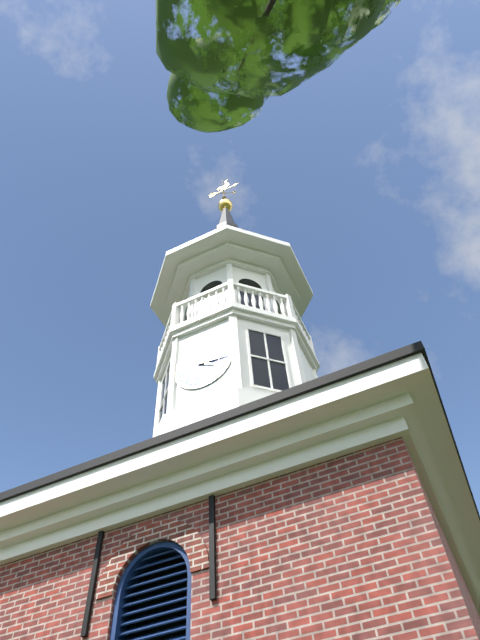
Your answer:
h=4 m=16
